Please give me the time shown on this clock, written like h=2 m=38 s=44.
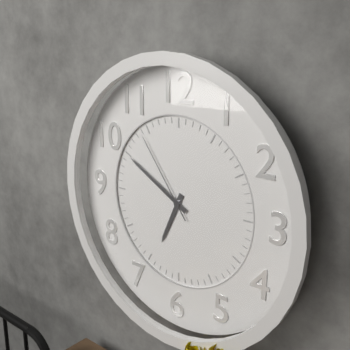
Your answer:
h=6 m=50 s=54
